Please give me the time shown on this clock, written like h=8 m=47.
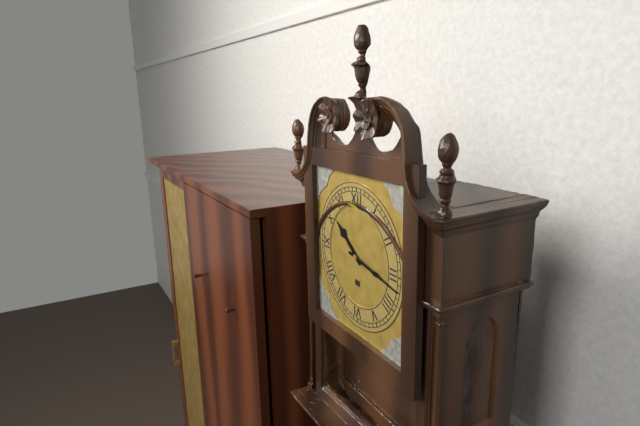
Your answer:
h=10 m=17
